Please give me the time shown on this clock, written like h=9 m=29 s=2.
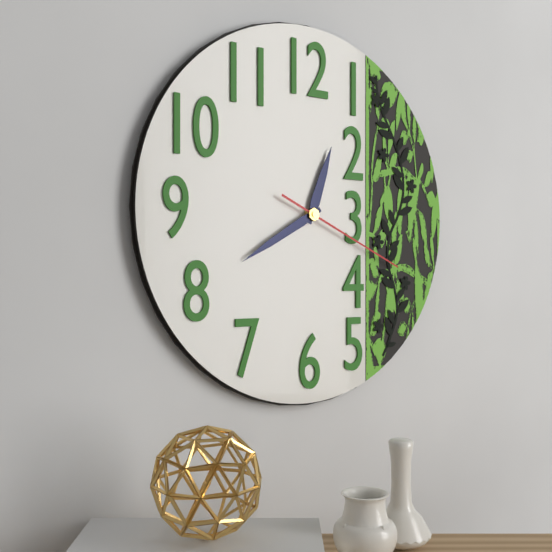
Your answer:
h=12 m=40 s=19
